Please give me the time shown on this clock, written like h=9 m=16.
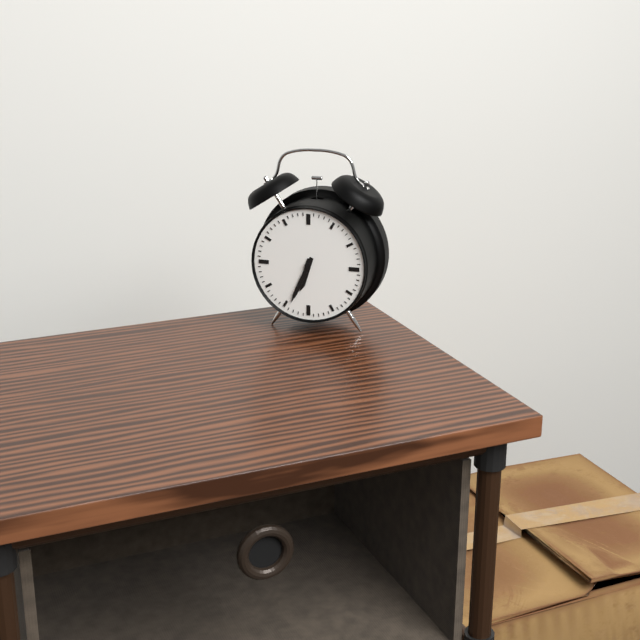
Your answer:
h=6 m=34
